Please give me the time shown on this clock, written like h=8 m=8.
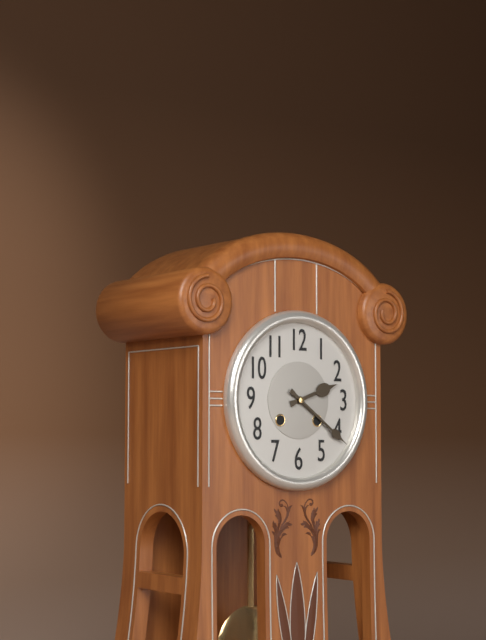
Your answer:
h=2 m=21
